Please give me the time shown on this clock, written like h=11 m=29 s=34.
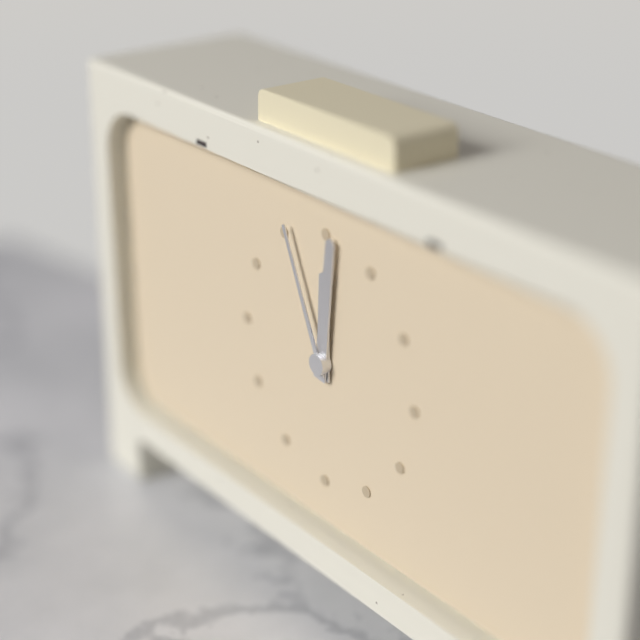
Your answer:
h=12 m=1 s=56
